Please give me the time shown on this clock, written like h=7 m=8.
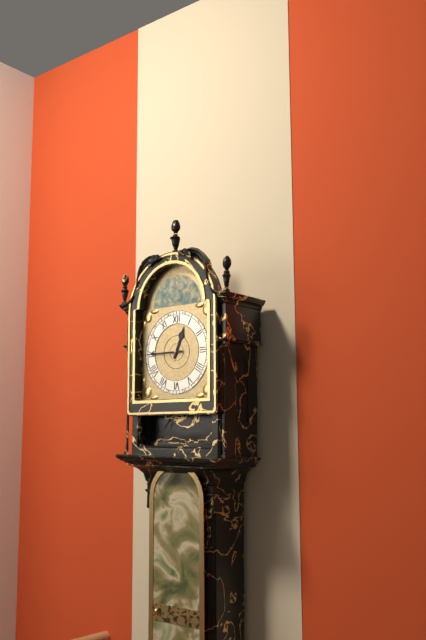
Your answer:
h=12 m=45
